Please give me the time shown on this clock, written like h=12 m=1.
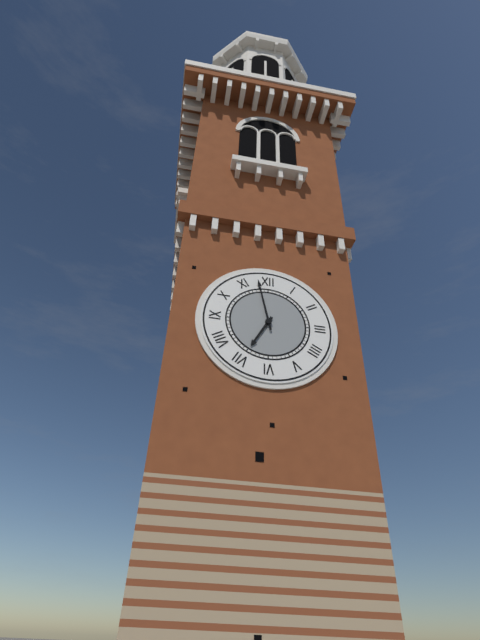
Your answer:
h=6 m=58
